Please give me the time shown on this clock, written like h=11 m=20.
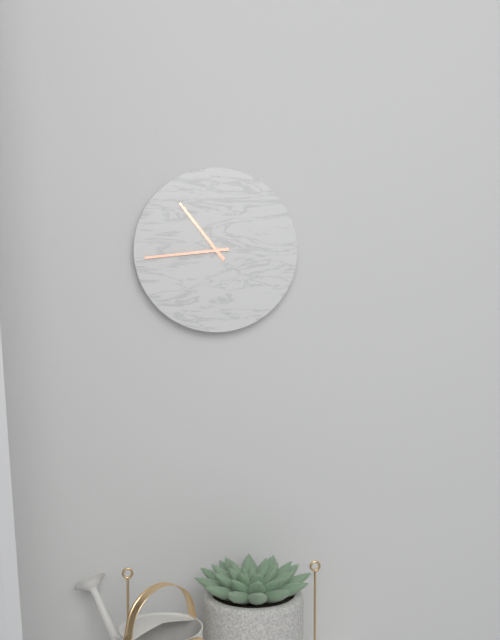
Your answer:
h=10 m=44
